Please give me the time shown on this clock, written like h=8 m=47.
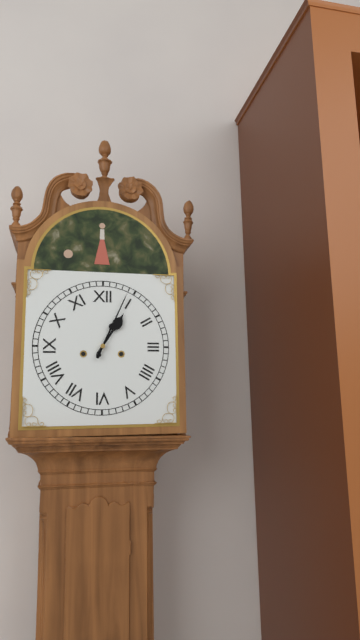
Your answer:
h=1 m=4
